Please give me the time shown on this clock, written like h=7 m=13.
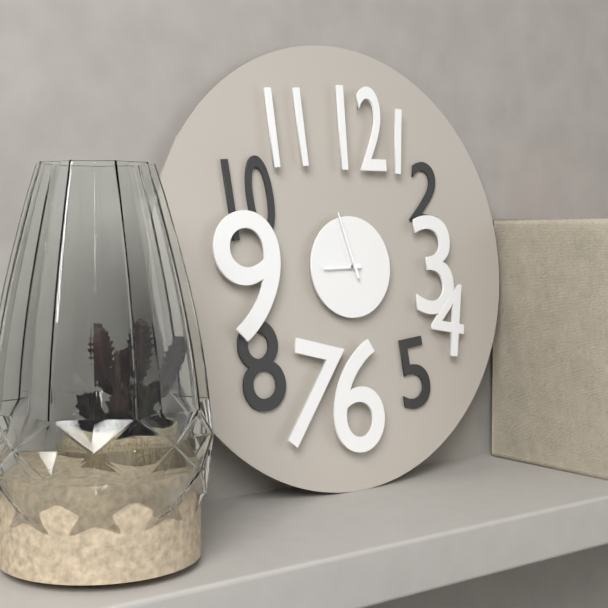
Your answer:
h=8 m=57
